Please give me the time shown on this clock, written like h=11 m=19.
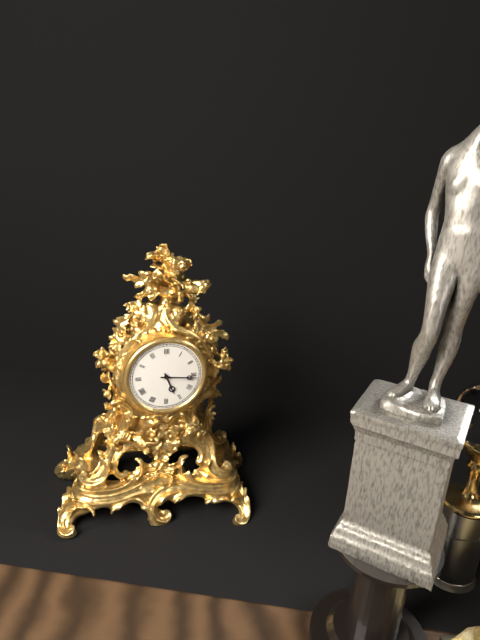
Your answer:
h=5 m=16
